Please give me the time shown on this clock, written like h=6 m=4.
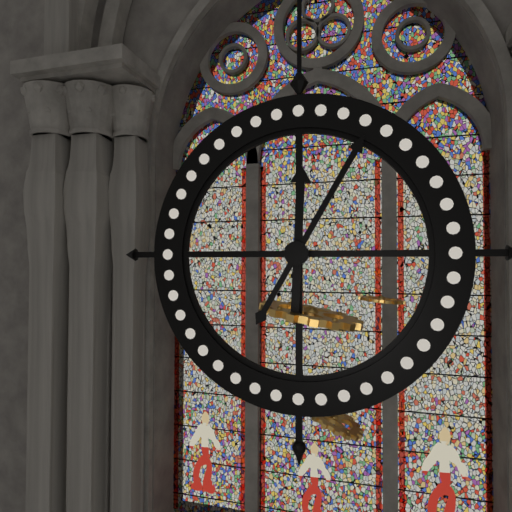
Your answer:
h=12 m=5
